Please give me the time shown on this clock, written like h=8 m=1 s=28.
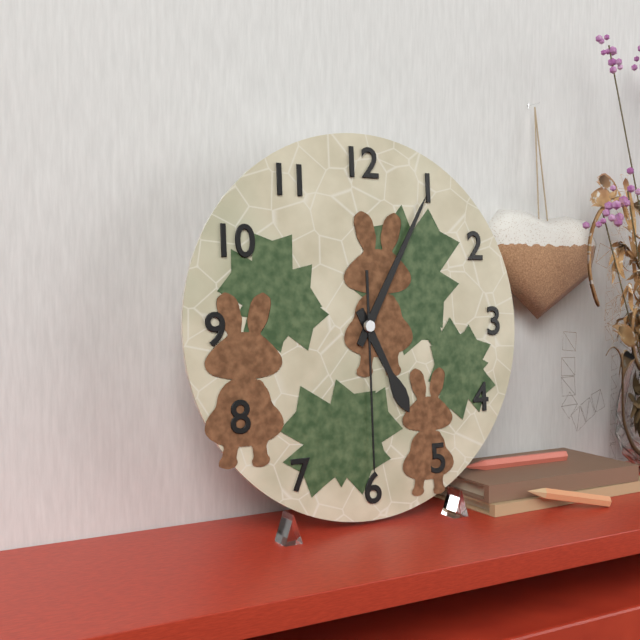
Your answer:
h=5 m=5 s=30
